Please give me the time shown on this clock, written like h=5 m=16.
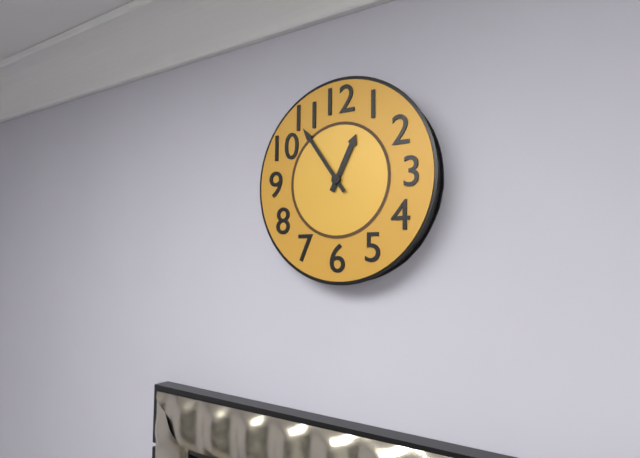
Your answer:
h=12 m=54
